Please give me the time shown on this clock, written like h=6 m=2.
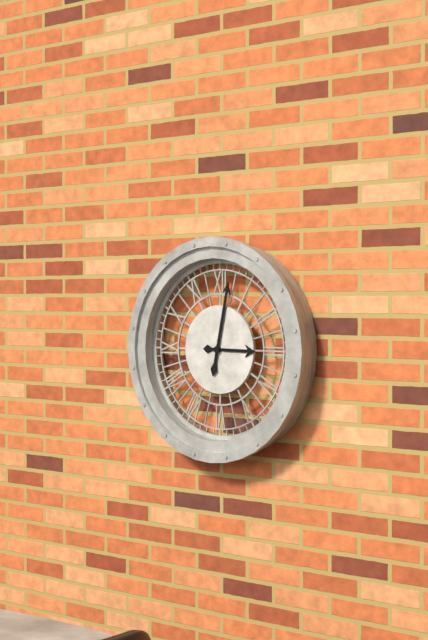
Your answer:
h=3 m=2
